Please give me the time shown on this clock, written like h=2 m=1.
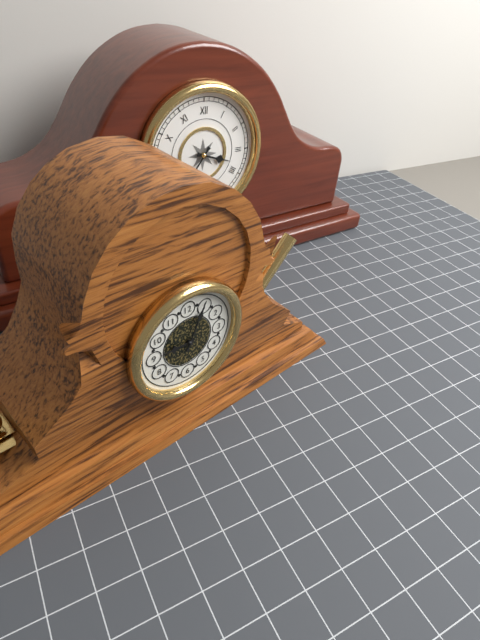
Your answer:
h=9 m=4
